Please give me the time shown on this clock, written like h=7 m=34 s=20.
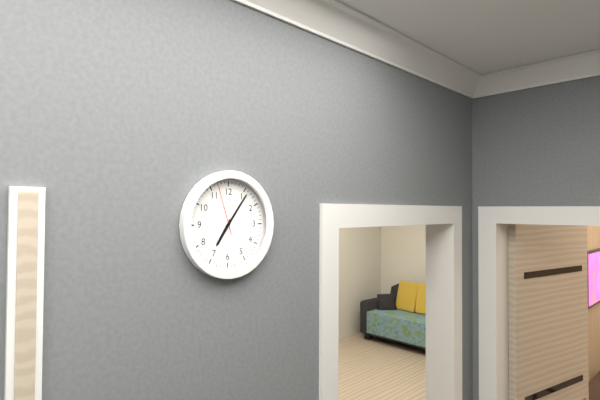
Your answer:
h=7 m=6 s=57
